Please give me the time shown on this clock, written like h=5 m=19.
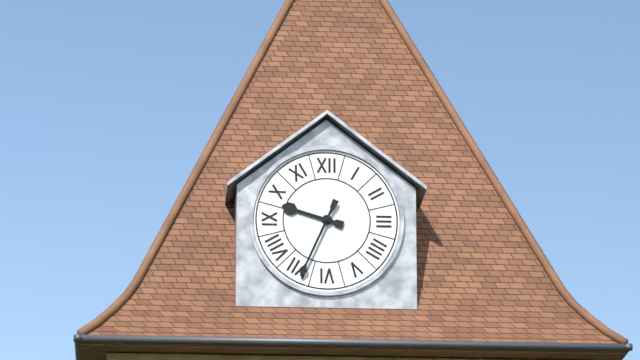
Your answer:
h=9 m=34
